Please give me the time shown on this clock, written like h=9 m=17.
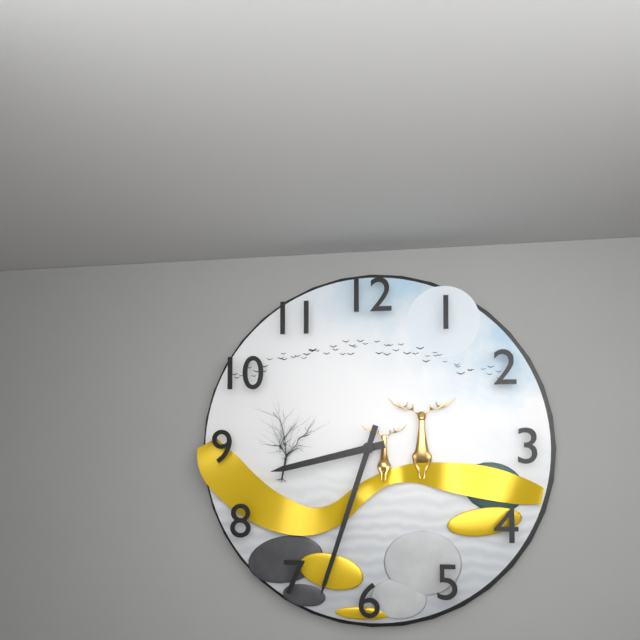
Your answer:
h=8 m=33
